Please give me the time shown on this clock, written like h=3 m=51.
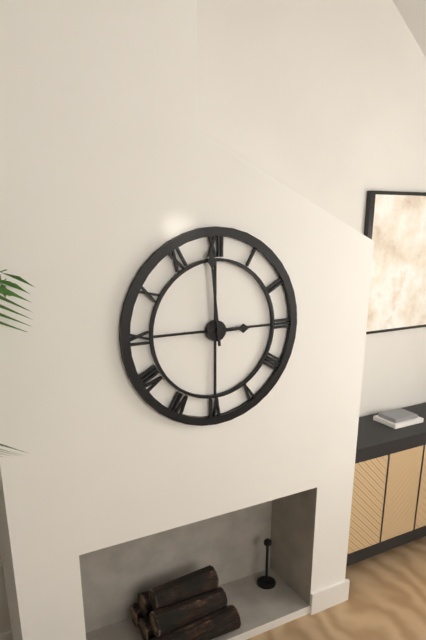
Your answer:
h=2 m=59
